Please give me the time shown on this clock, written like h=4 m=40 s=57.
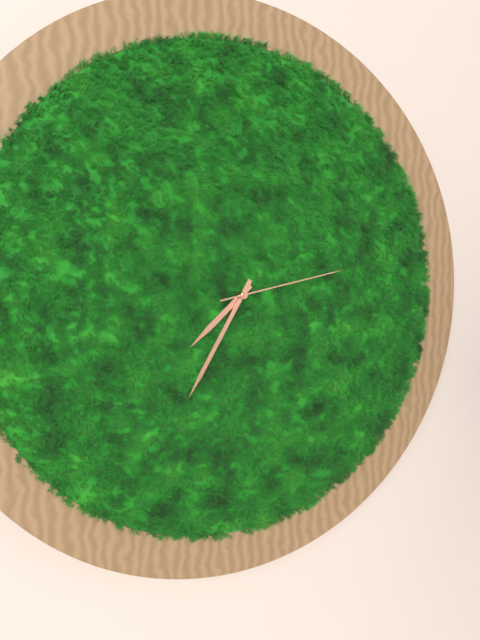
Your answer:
h=7 m=35 s=13
